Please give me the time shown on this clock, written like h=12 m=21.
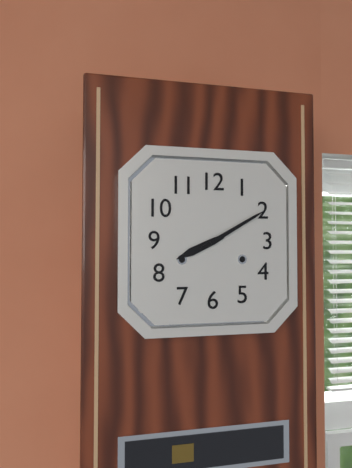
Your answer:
h=8 m=10
